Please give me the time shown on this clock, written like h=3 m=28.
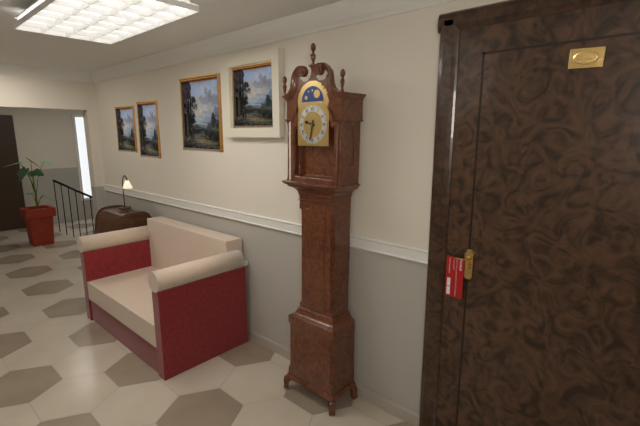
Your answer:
h=9 m=32
